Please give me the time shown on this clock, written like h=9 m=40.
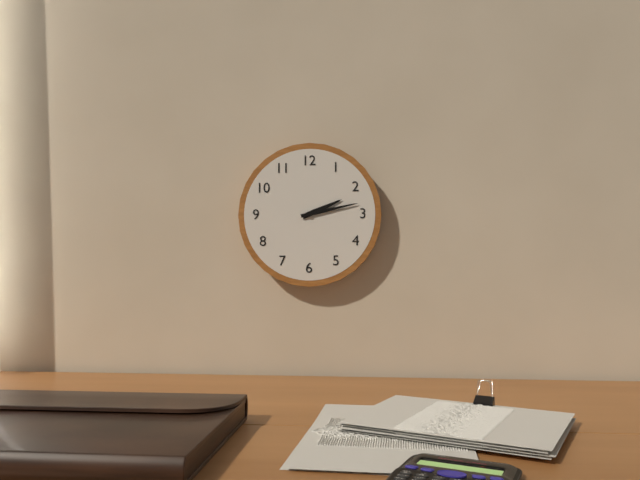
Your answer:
h=2 m=13
